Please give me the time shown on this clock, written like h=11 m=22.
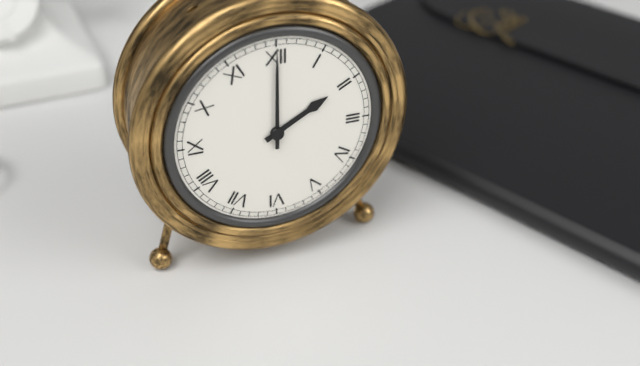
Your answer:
h=2 m=0
